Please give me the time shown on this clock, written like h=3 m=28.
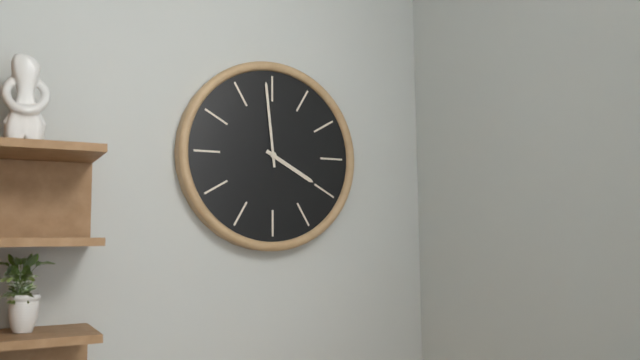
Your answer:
h=3 m=59
